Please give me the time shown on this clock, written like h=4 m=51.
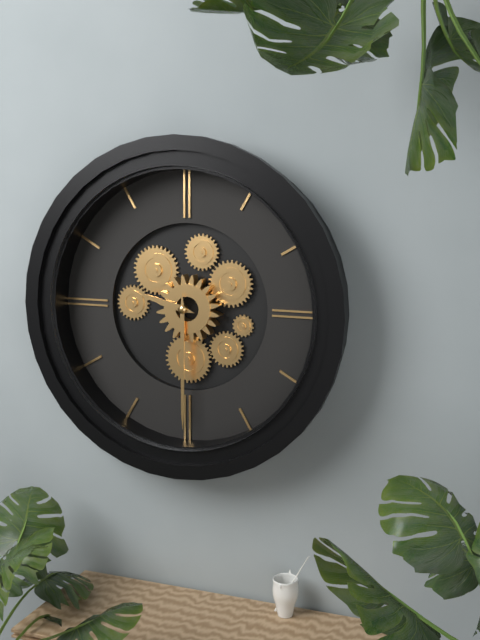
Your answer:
h=9 m=30
